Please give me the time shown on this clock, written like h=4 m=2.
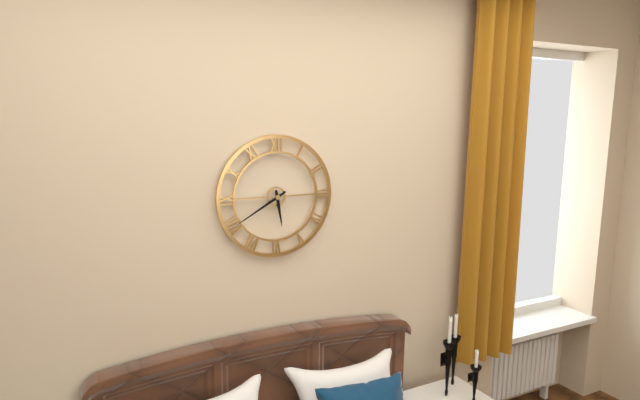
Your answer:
h=5 m=40
